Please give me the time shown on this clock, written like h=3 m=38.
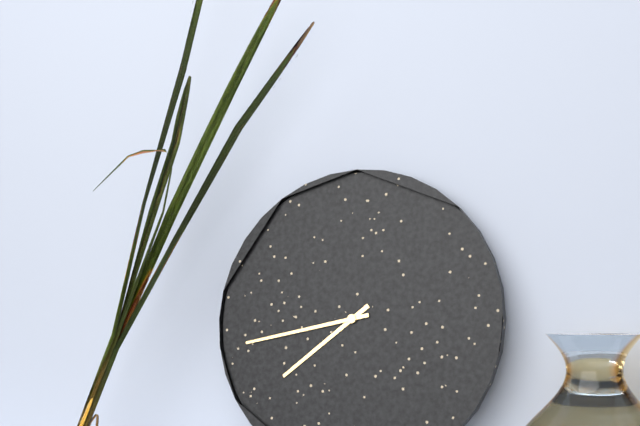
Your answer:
h=7 m=43
